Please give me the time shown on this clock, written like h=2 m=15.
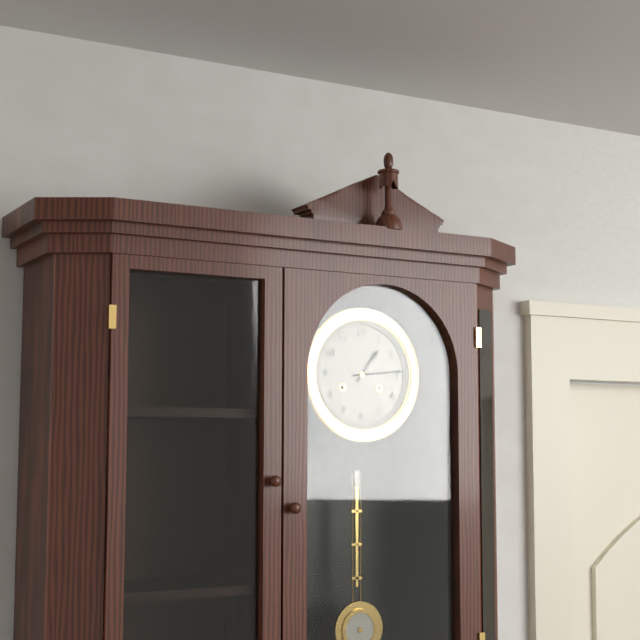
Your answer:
h=1 m=14
